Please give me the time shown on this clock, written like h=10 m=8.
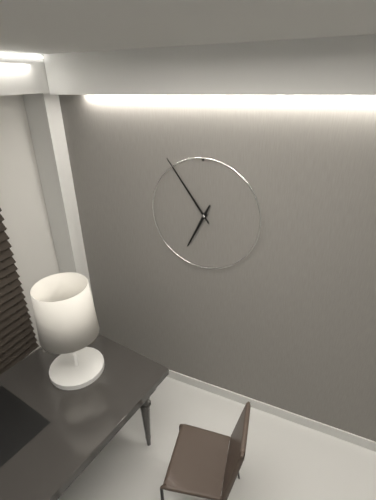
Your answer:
h=6 m=54
